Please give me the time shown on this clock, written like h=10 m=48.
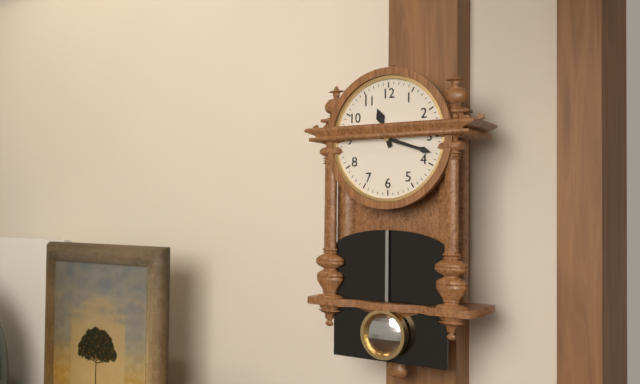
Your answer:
h=11 m=18
